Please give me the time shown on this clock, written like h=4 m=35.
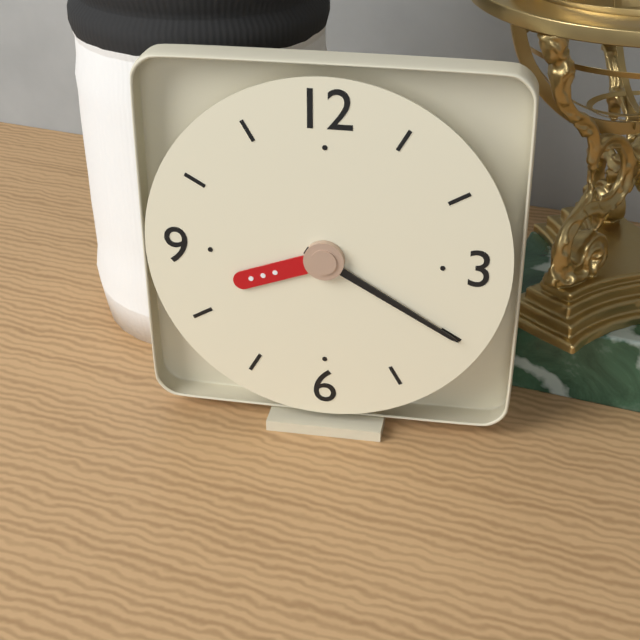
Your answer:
h=8 m=20
